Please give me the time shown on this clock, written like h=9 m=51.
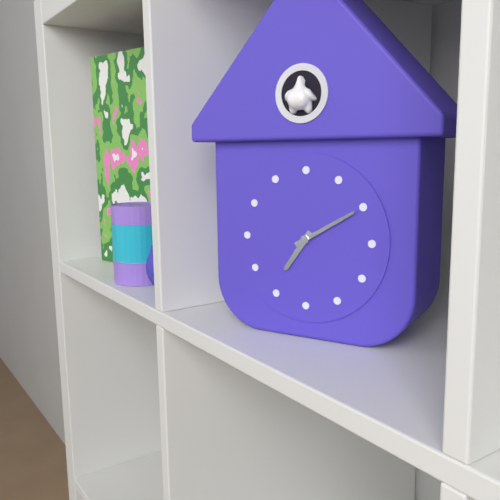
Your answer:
h=7 m=10
